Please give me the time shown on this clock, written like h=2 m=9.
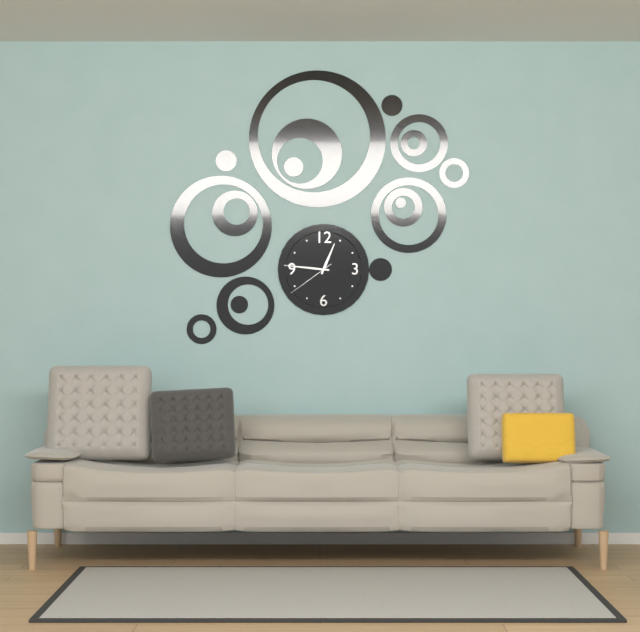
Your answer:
h=12 m=46
